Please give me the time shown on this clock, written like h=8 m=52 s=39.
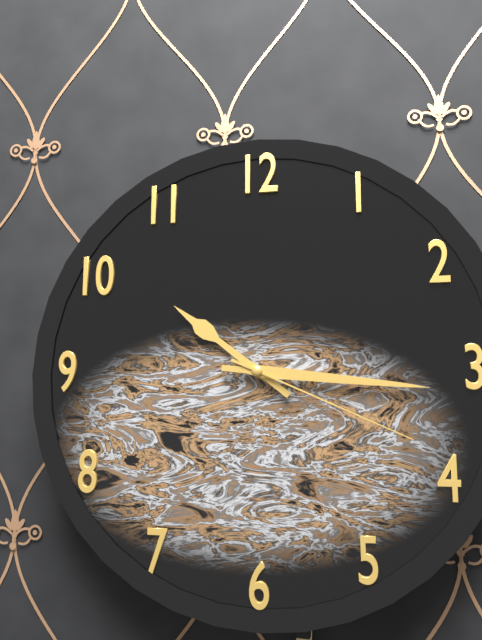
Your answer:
h=10 m=16 s=19
